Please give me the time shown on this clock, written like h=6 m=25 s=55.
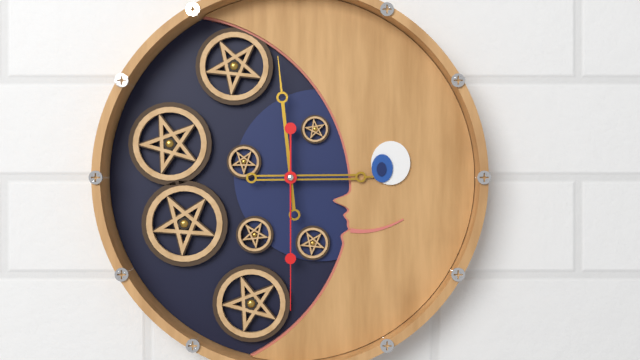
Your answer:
h=2 m=59 s=30
